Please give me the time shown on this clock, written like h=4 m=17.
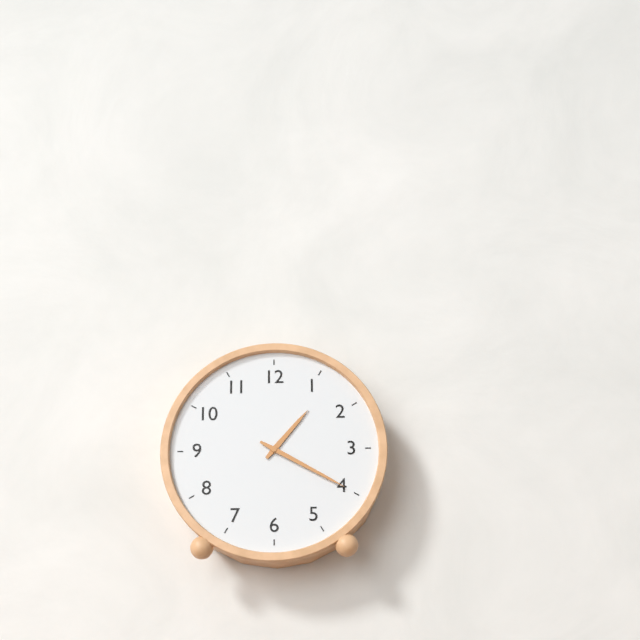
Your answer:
h=1 m=20
